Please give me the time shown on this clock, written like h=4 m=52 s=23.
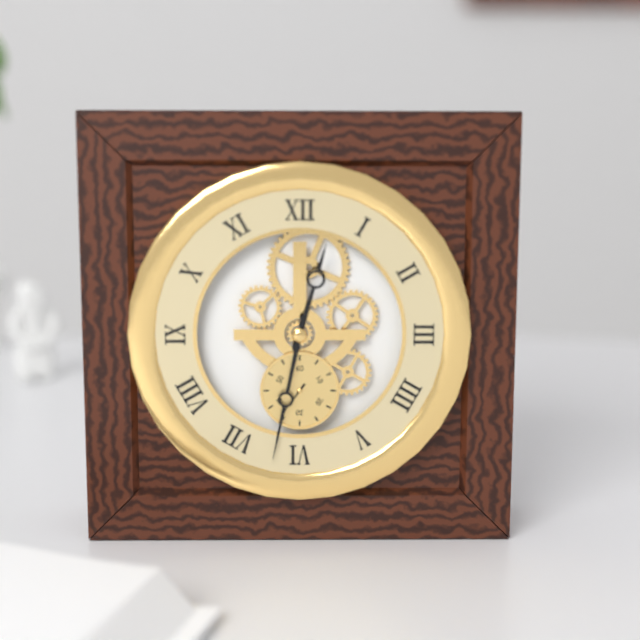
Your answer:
h=12 m=32 s=36
